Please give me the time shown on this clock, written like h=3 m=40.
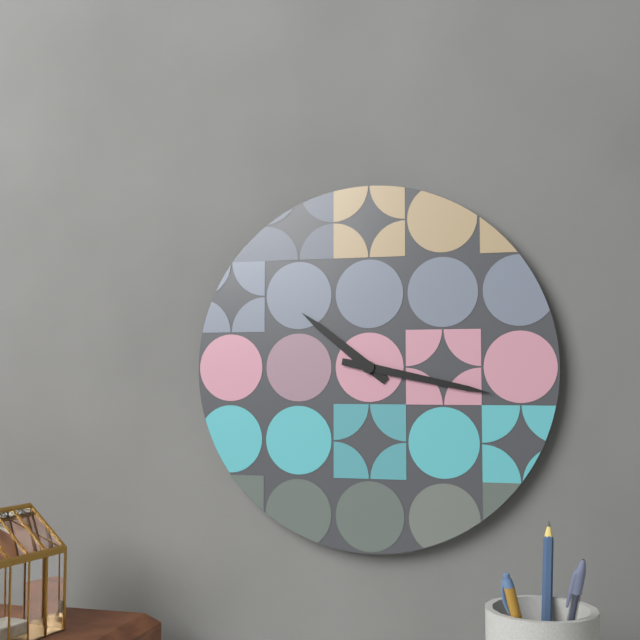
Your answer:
h=10 m=17
